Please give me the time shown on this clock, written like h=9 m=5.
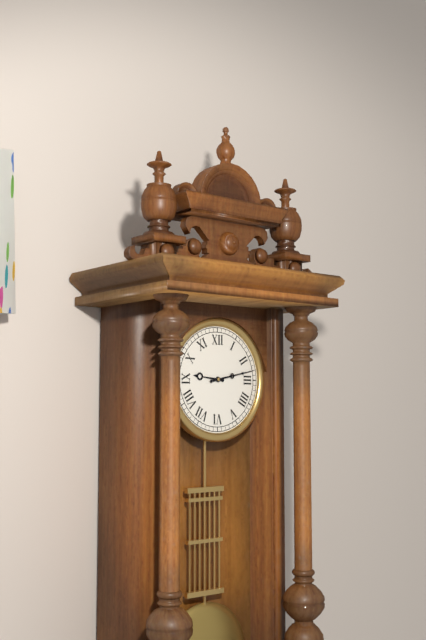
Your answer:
h=9 m=13
